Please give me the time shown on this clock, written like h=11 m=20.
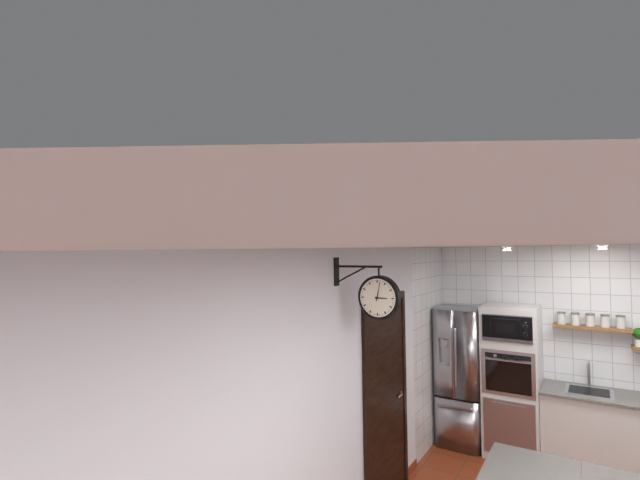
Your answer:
h=3 m=2
